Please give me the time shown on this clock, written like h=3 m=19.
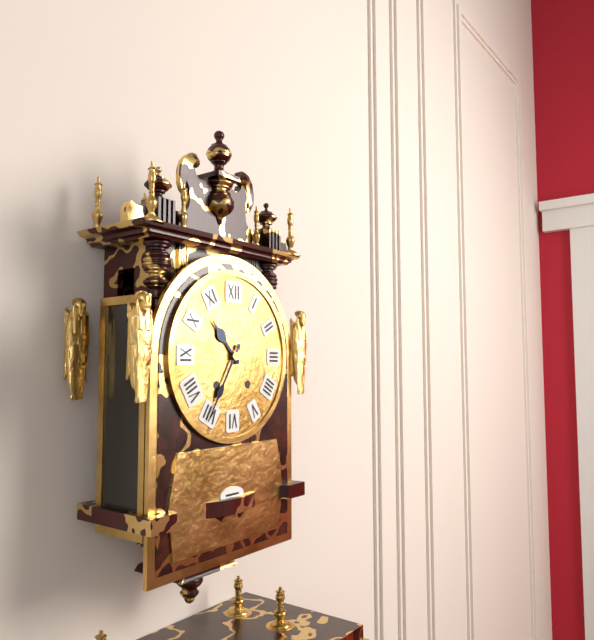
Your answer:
h=10 m=35
